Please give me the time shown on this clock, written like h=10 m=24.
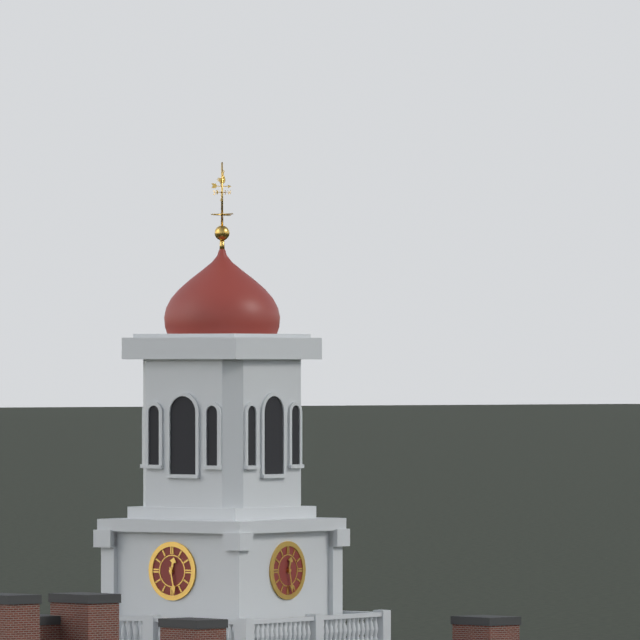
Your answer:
h=12 m=28
